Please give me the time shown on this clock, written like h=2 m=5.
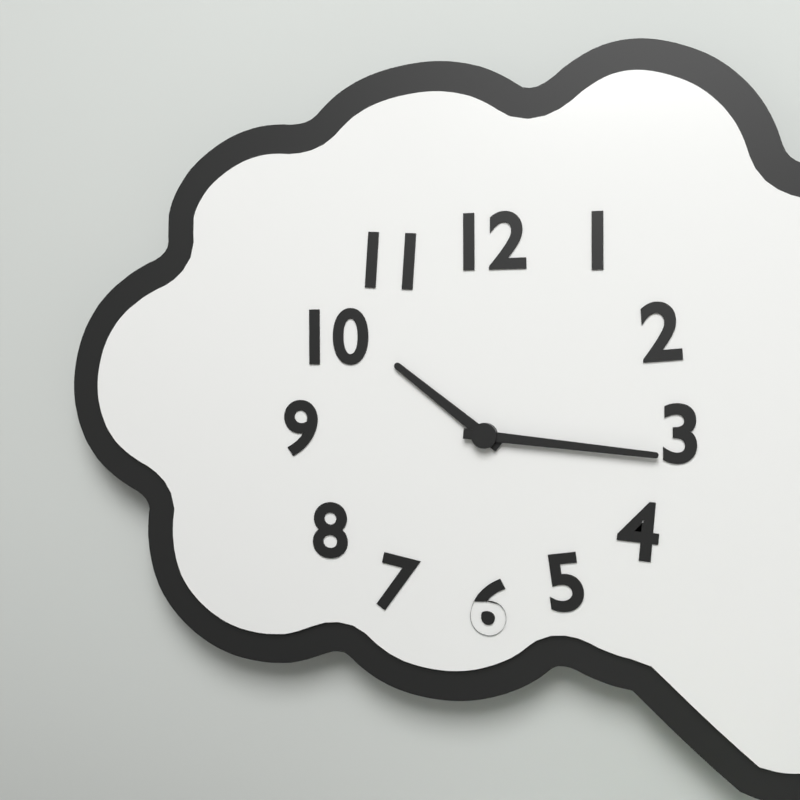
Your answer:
h=10 m=16
